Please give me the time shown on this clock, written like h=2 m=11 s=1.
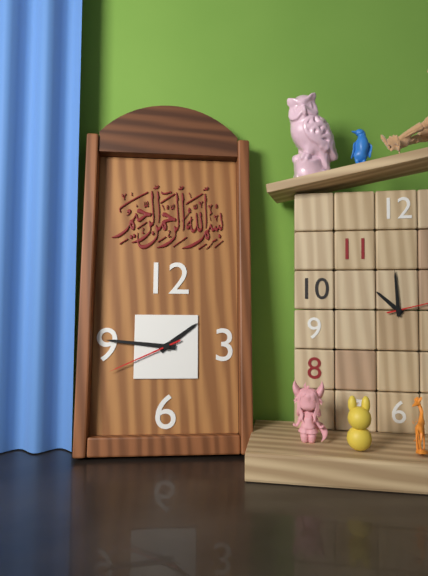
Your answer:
h=1 m=46 s=41
